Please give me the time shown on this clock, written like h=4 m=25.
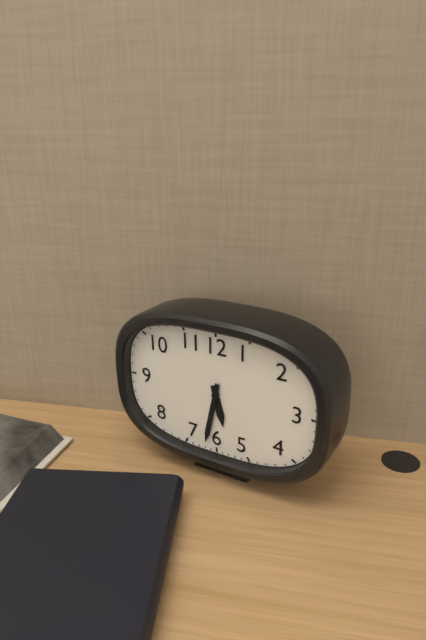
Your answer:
h=5 m=32
